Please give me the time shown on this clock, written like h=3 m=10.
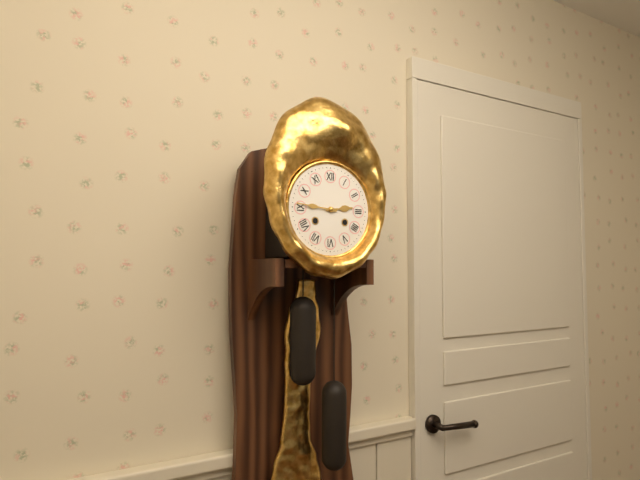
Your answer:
h=2 m=46
